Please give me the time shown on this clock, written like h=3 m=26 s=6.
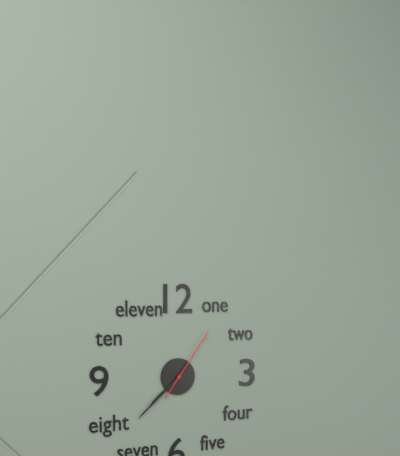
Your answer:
h=7 m=38 s=6
